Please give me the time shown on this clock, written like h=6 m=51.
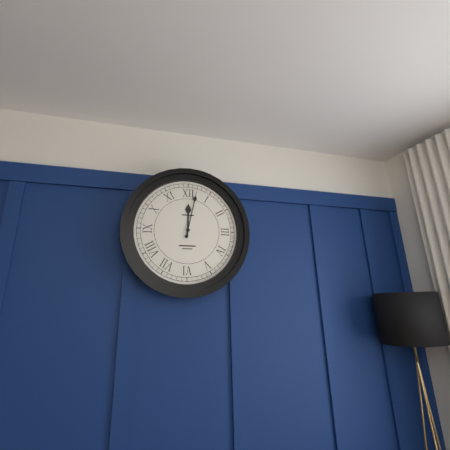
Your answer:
h=12 m=2
